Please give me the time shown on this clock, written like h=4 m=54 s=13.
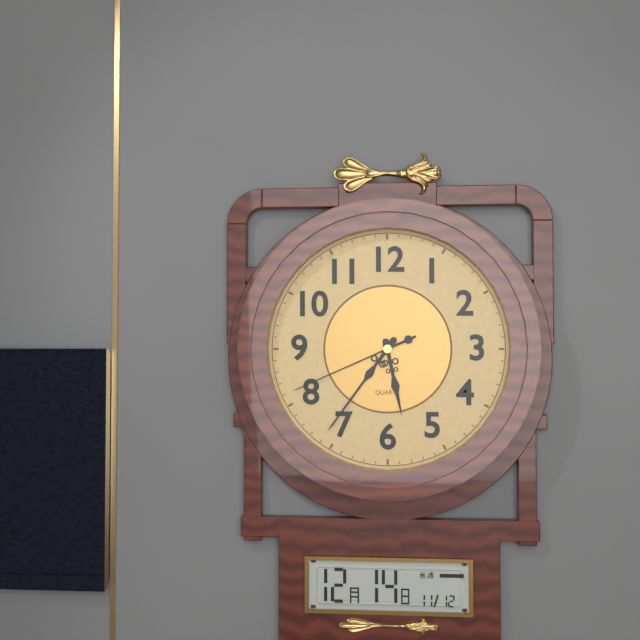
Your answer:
h=5 m=36 s=41
